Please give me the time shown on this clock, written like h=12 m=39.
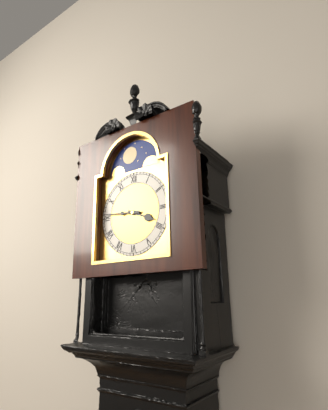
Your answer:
h=3 m=46
